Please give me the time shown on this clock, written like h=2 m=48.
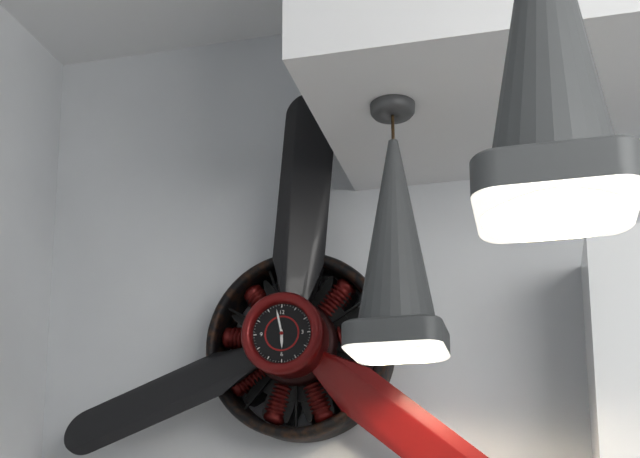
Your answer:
h=5 m=58
